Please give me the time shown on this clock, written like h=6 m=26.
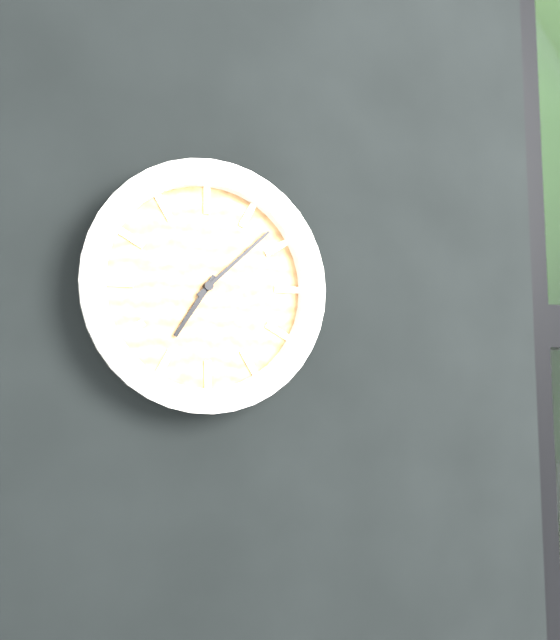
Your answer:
h=7 m=8
